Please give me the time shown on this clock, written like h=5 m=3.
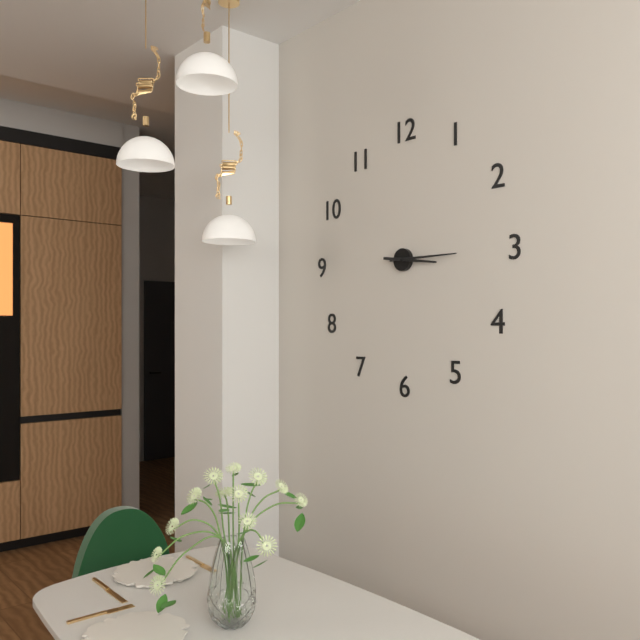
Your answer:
h=3 m=15
